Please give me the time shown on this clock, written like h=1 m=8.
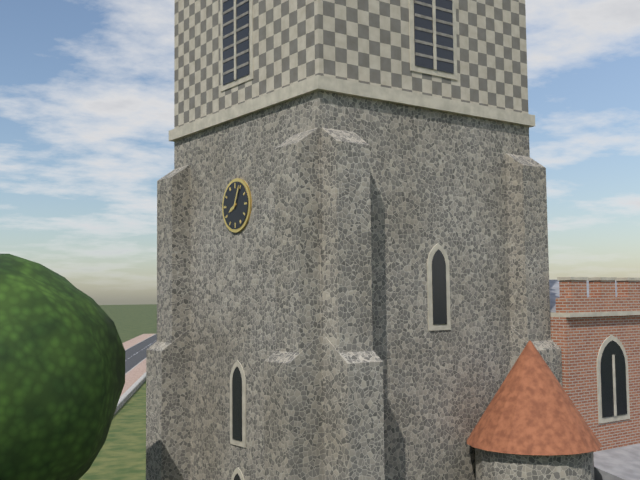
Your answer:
h=8 m=4
